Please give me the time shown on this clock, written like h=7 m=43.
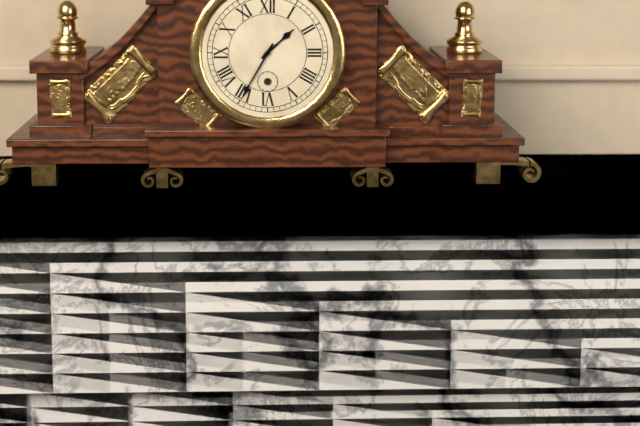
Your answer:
h=1 m=35
